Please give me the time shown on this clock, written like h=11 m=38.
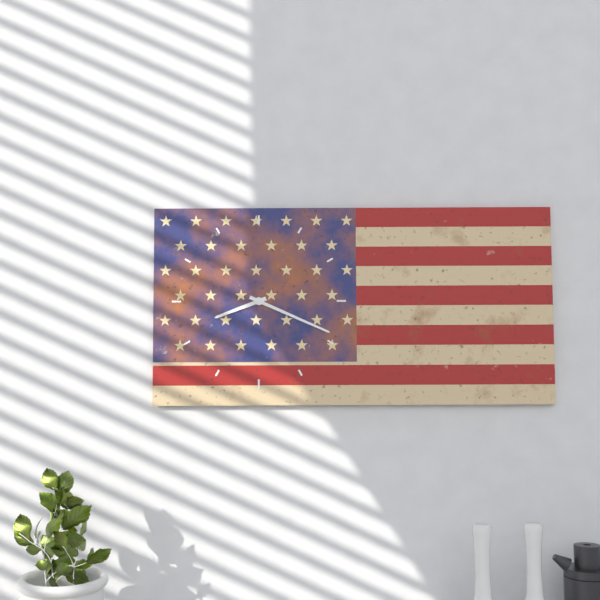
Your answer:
h=8 m=19
